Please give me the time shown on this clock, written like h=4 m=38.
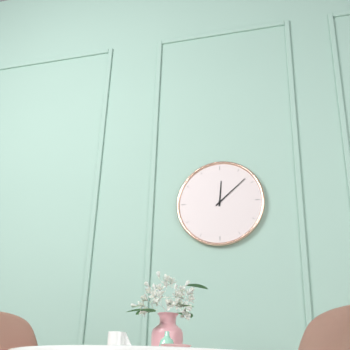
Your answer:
h=12 m=8
